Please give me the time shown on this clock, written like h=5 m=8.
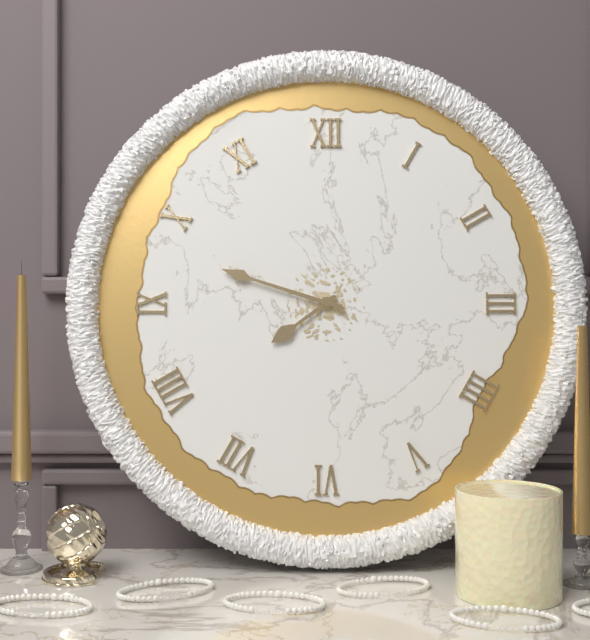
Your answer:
h=7 m=48
